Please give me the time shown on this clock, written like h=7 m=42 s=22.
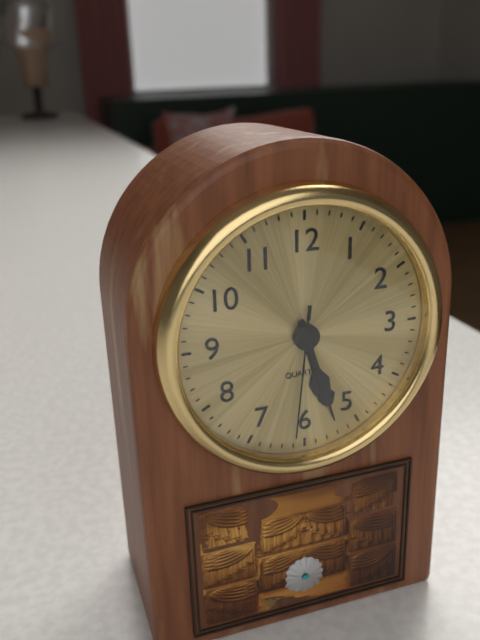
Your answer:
h=5 m=27 s=31
